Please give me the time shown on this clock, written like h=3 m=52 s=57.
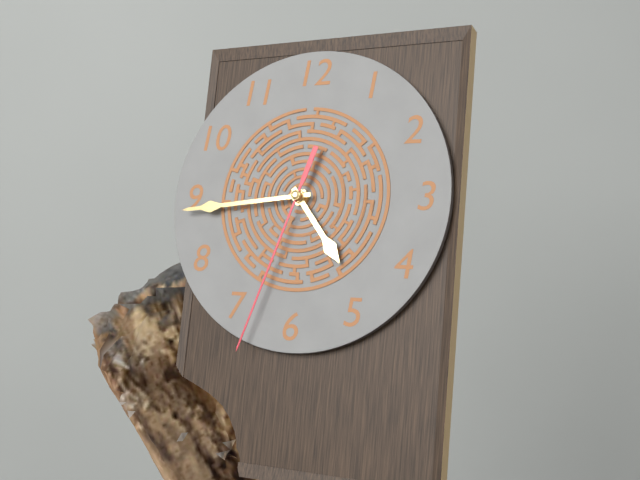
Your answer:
h=4 m=44 s=33
